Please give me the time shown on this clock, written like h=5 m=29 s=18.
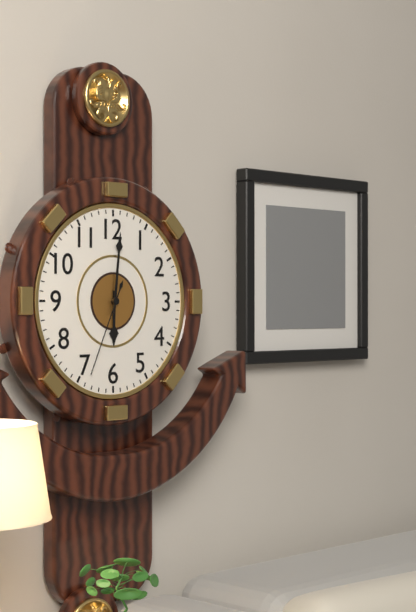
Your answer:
h=6 m=1 s=34
